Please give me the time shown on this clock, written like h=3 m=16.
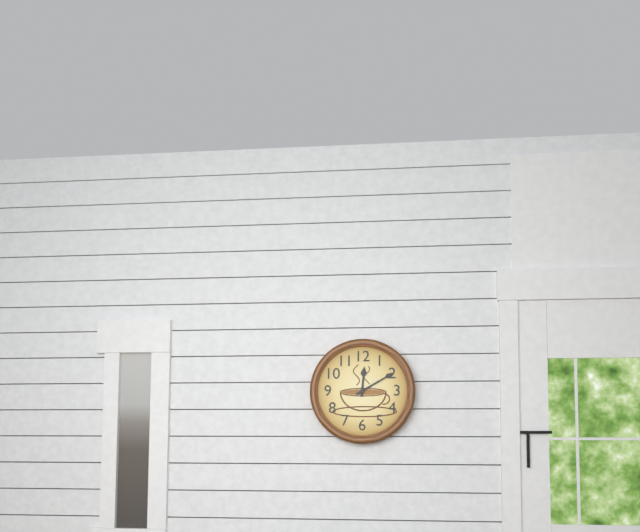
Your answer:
h=12 m=10
